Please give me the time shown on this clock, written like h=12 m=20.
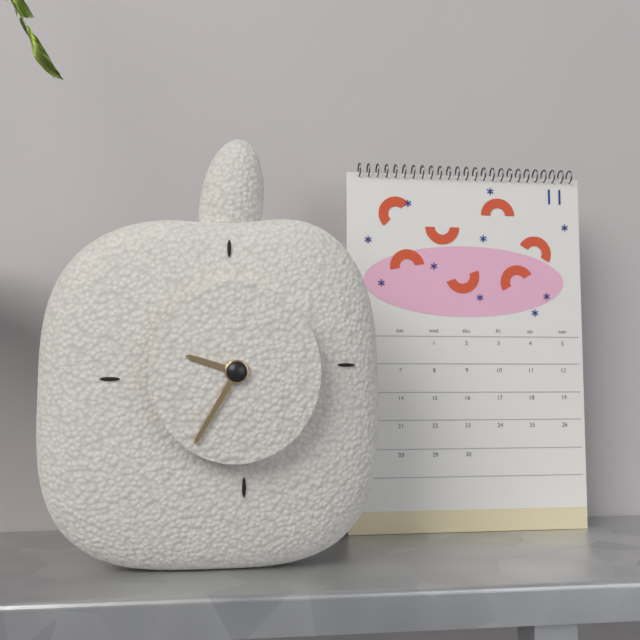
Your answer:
h=9 m=35
